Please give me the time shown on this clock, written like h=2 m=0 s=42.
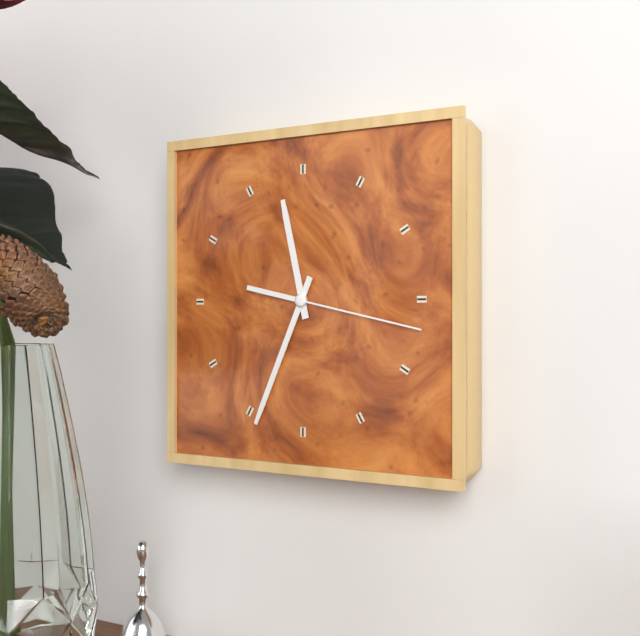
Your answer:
h=11 m=34 s=17
